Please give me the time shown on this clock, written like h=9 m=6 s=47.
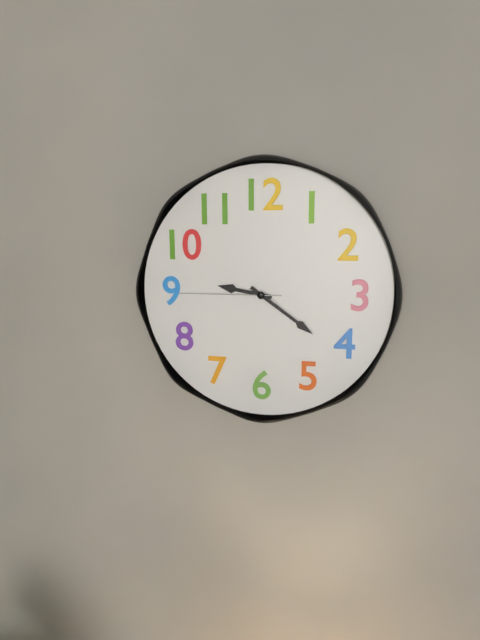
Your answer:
h=9 m=21 s=45
